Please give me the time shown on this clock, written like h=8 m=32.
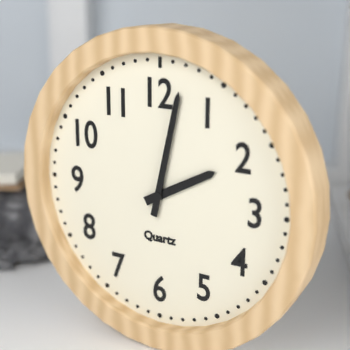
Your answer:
h=2 m=2
